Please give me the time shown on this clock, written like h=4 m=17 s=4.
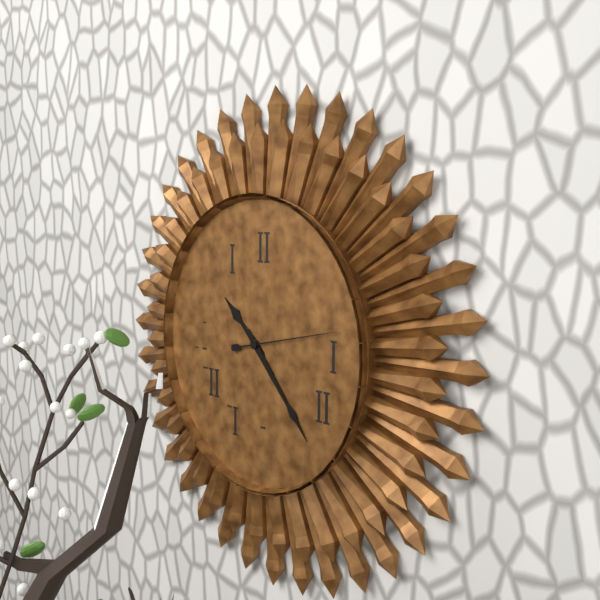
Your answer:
h=10 m=23 s=13
